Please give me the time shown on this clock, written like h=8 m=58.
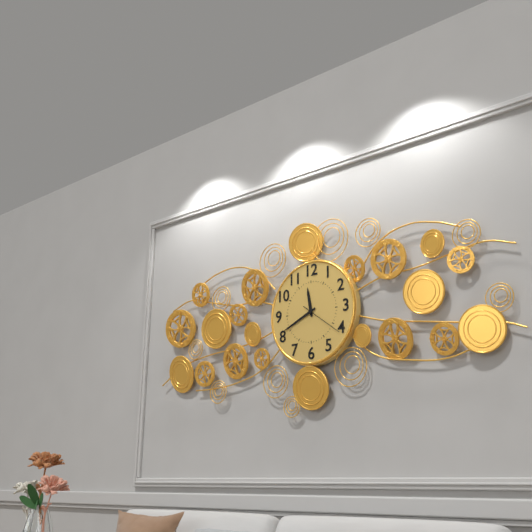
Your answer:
h=11 m=41
